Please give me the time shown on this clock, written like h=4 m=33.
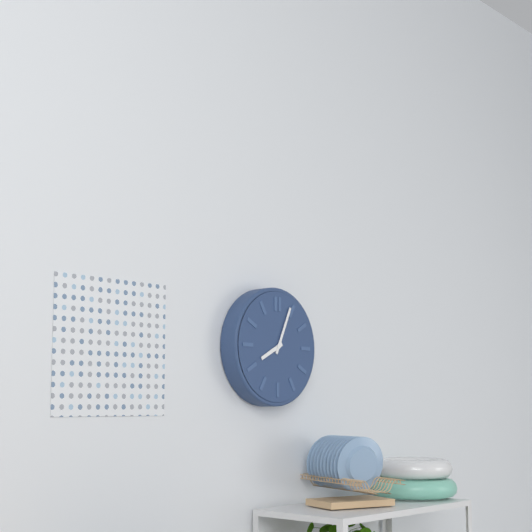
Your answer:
h=8 m=4
